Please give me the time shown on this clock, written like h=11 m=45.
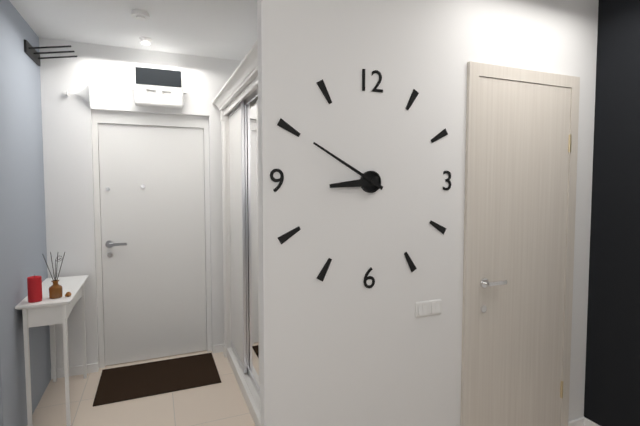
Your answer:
h=8 m=50
